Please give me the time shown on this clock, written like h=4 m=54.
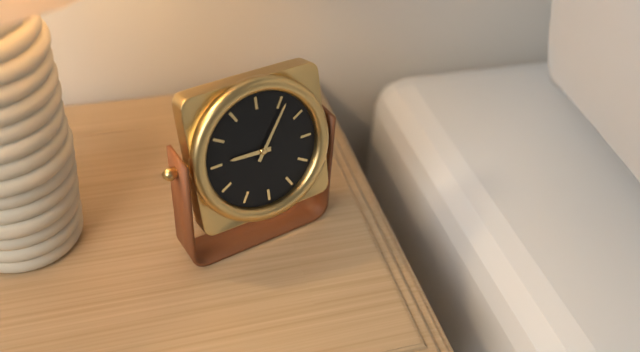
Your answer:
h=9 m=6
